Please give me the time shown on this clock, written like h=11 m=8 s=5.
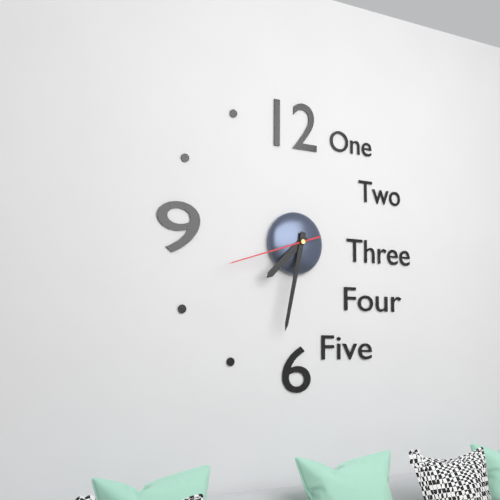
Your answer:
h=7 m=32 s=42
